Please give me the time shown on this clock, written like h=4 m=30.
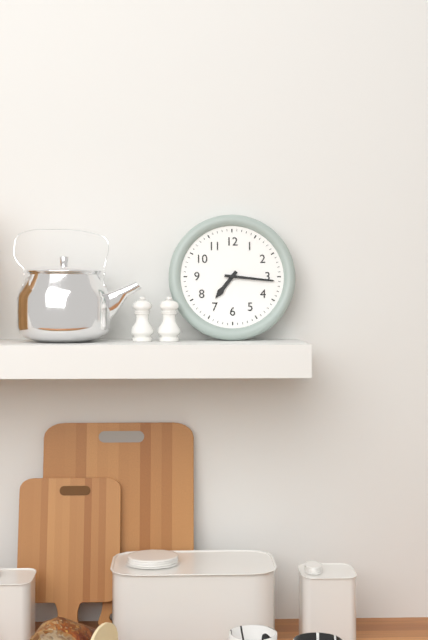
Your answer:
h=7 m=16
